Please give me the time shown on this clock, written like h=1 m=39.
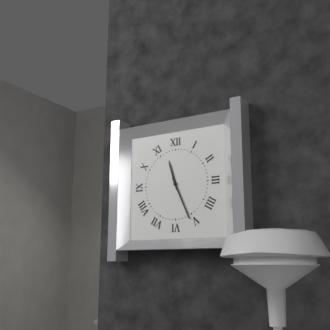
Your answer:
h=11 m=26
